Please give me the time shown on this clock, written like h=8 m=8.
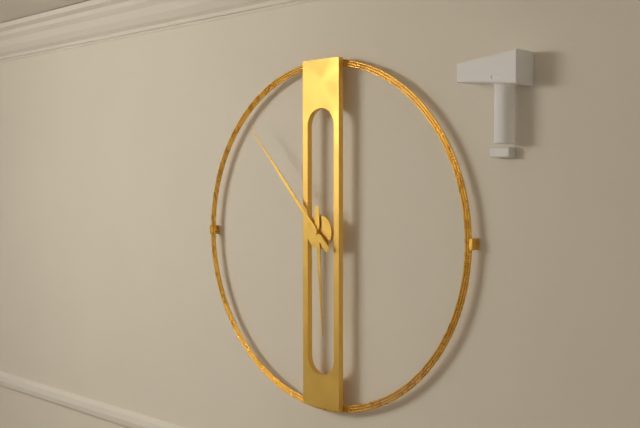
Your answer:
h=5 m=53
